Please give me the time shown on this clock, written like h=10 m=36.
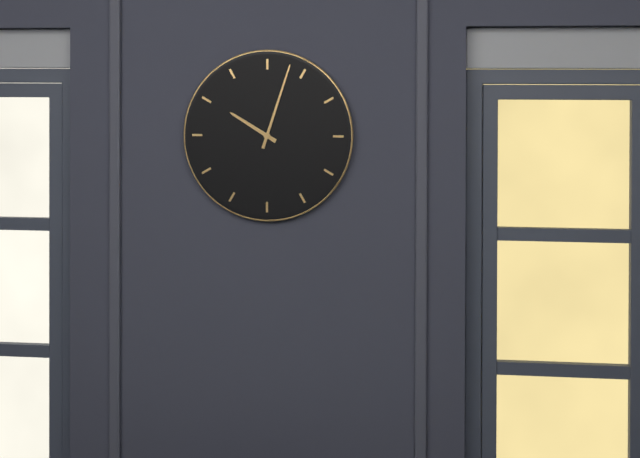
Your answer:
h=10 m=3
